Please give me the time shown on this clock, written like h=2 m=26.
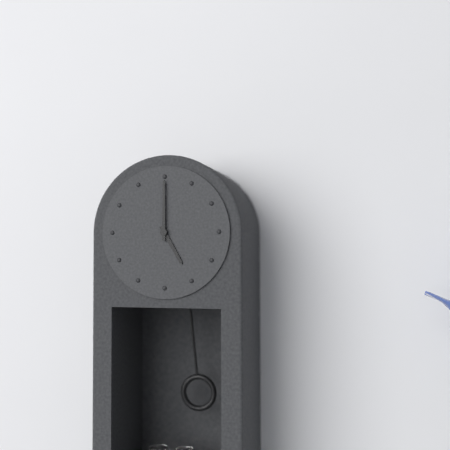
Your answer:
h=5 m=0
